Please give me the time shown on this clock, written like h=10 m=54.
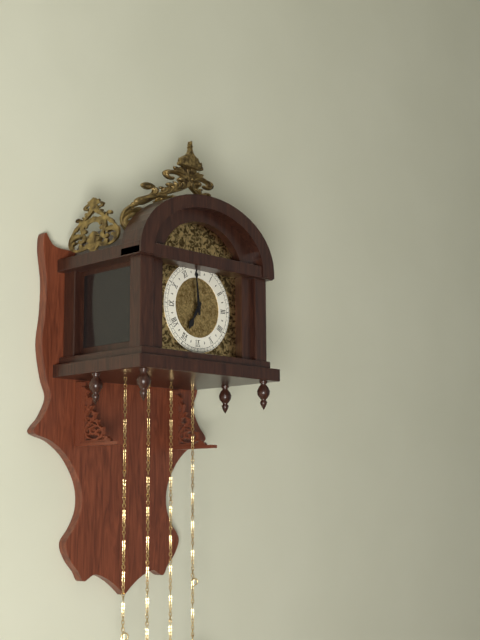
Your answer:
h=6 m=59
